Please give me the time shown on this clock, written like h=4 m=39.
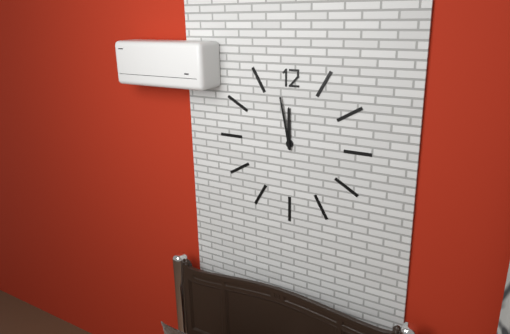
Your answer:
h=11 m=58
